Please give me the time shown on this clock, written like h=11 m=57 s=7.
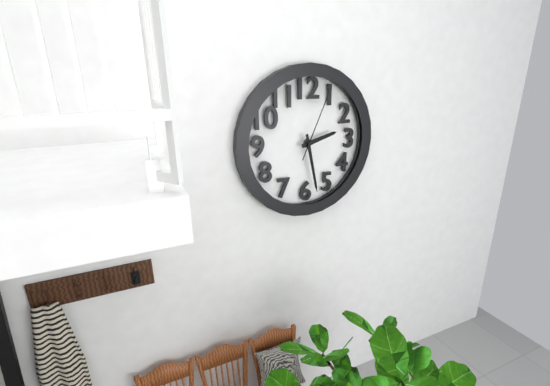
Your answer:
h=2 m=28 s=4
